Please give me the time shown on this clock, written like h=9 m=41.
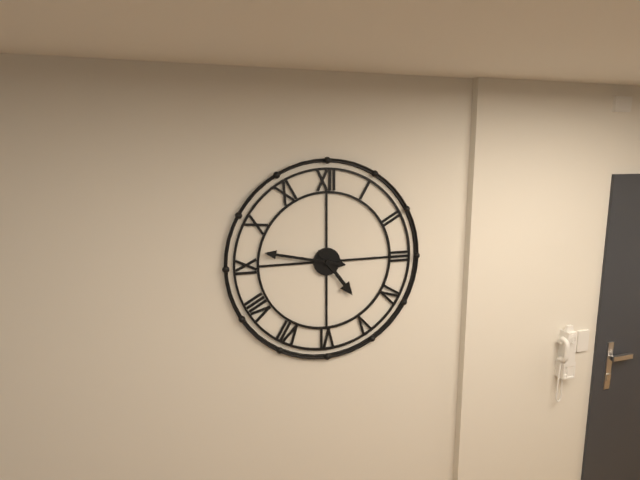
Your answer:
h=4 m=47
